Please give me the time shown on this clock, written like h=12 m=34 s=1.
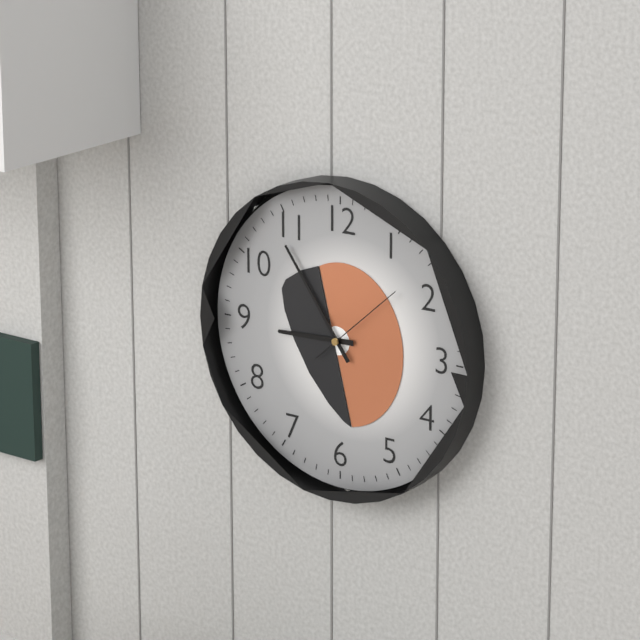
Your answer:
h=8 m=54 s=8
